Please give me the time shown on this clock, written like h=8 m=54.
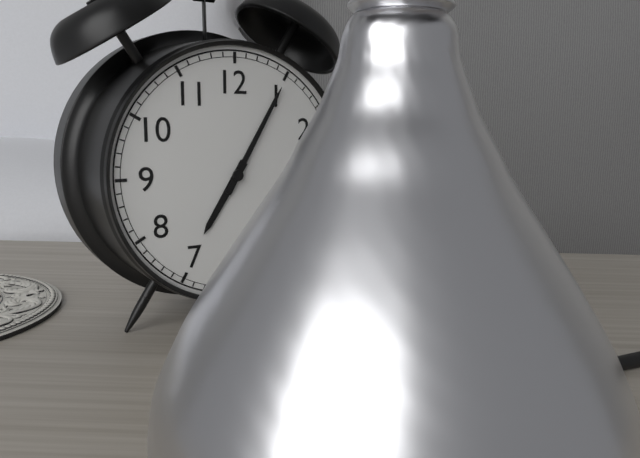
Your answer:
h=7 m=5
